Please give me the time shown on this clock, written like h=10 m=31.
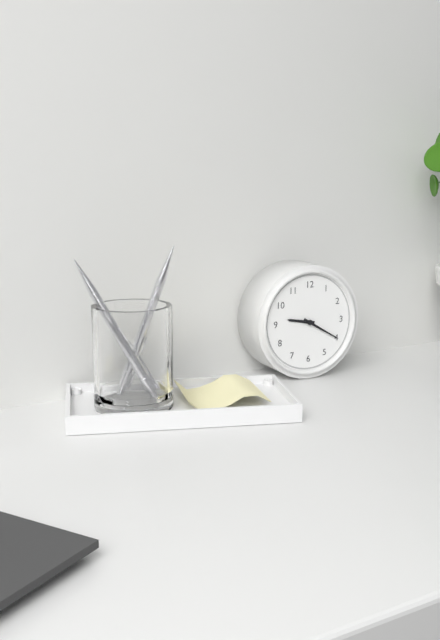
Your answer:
h=9 m=20
